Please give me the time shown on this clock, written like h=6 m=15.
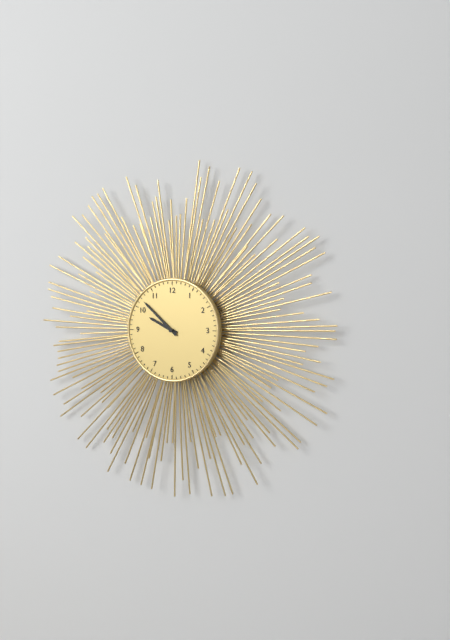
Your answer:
h=9 m=52
